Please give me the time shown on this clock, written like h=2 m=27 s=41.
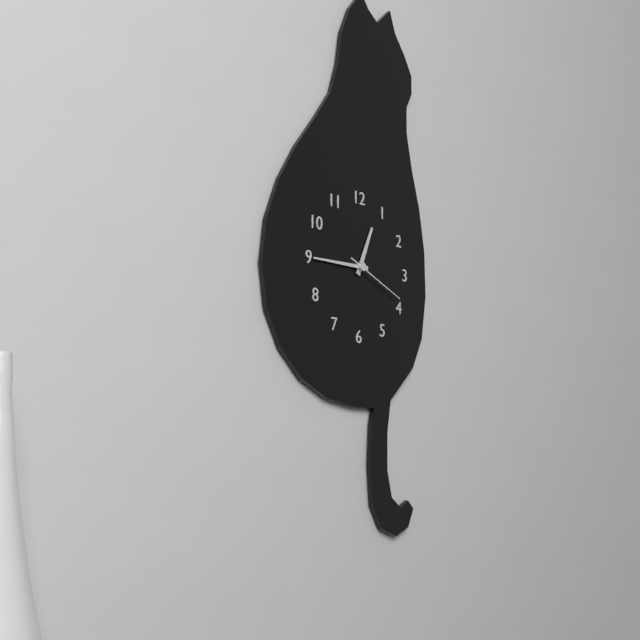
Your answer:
h=12 m=45 s=19
